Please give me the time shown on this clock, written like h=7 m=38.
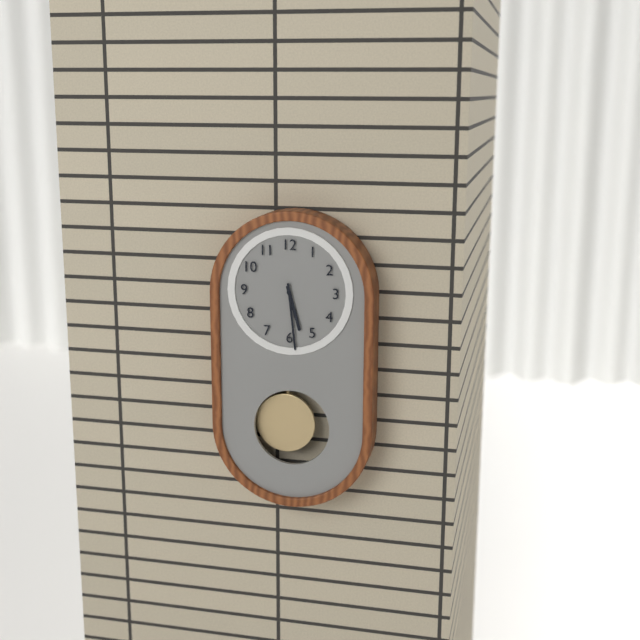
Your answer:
h=5 m=29
